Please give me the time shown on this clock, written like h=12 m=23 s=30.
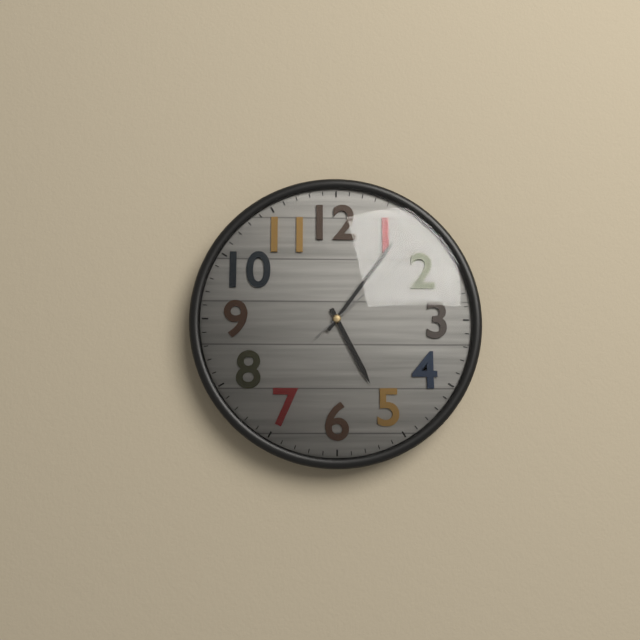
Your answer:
h=5 m=6 s=8
